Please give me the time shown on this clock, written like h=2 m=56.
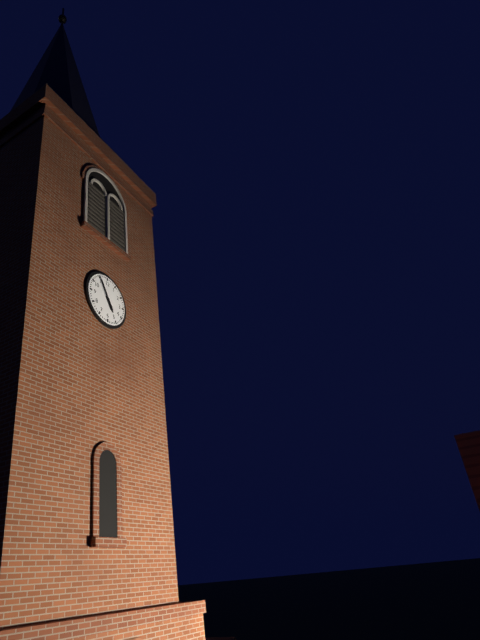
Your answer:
h=4 m=55
